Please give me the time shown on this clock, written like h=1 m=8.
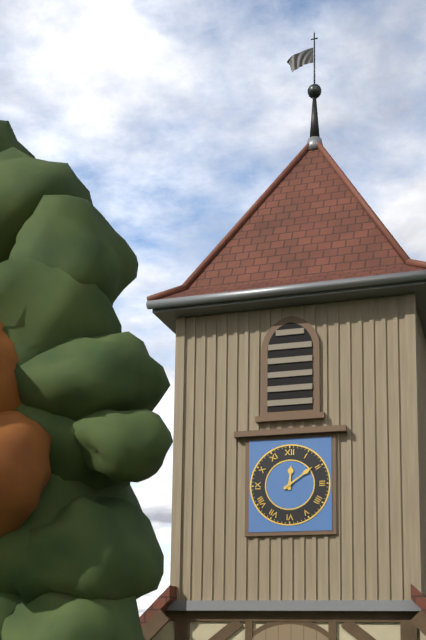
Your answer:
h=12 m=9
